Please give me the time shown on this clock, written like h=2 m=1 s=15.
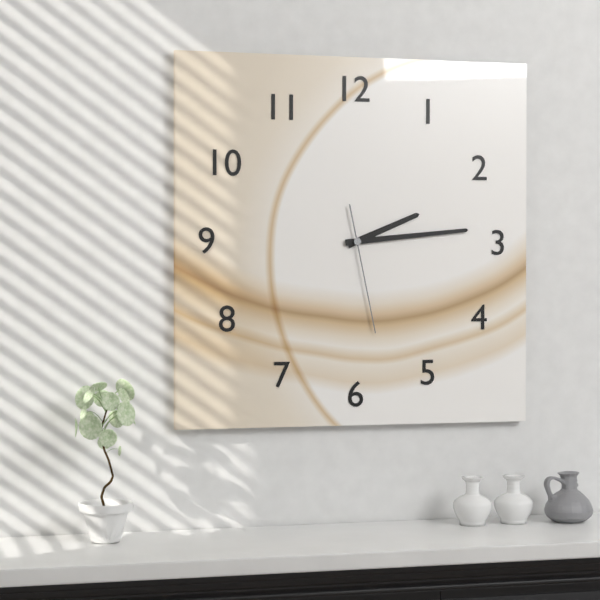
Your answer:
h=2 m=14 s=28
